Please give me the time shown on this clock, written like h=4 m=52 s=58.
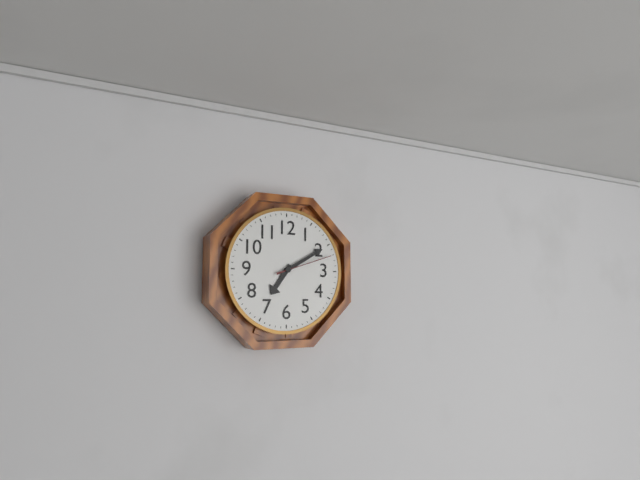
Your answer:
h=7 m=10 s=12
